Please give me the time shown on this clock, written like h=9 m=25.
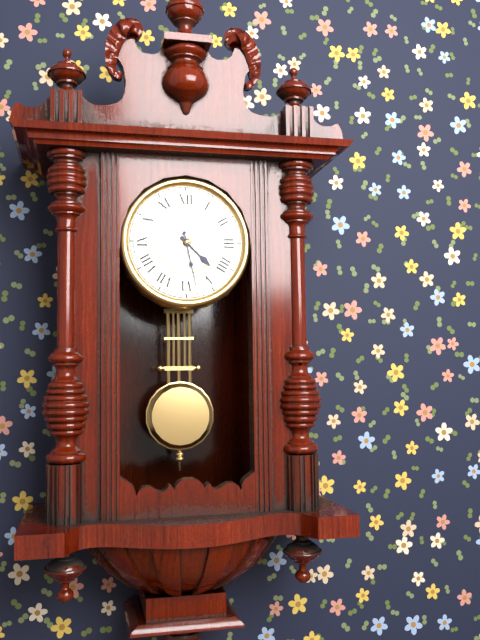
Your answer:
h=4 m=28
